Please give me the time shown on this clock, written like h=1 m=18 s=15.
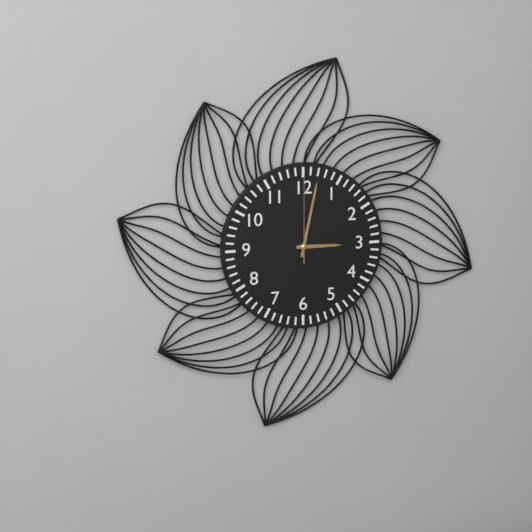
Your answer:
h=3 m=2 s=0
